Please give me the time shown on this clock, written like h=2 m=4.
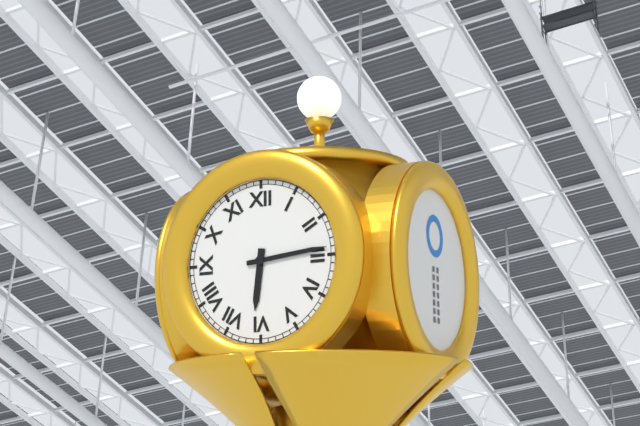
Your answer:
h=6 m=14
